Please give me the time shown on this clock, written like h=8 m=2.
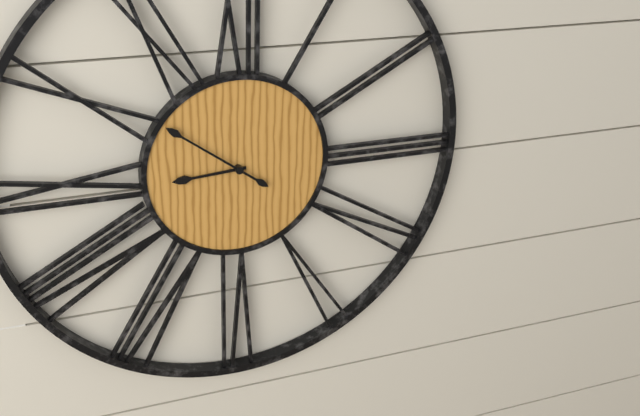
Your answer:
h=8 m=51
